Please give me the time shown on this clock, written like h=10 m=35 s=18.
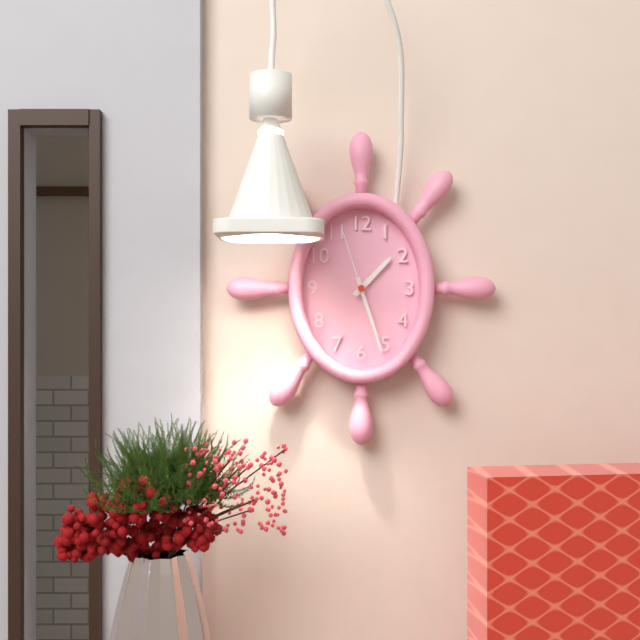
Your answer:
h=1 m=27 s=57
